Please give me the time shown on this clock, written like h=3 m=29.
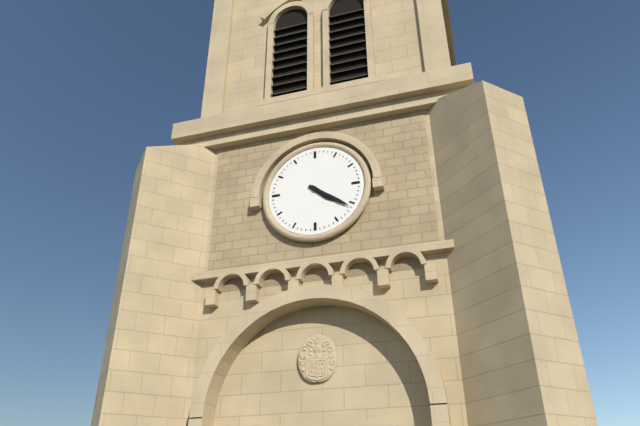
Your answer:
h=4 m=21
